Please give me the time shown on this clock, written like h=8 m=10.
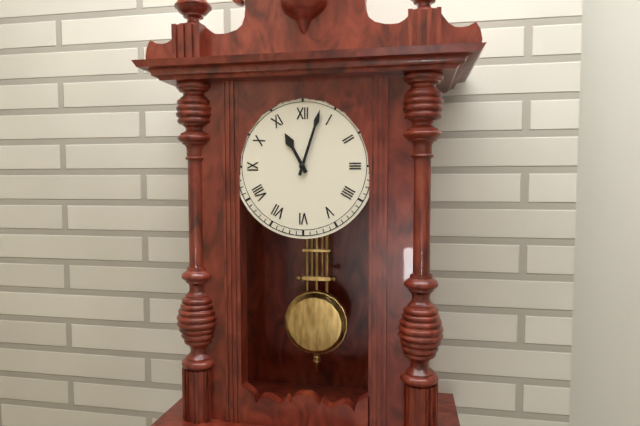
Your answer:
h=11 m=3
